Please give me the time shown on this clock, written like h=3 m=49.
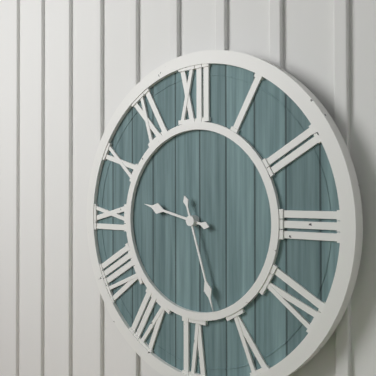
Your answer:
h=9 m=27
